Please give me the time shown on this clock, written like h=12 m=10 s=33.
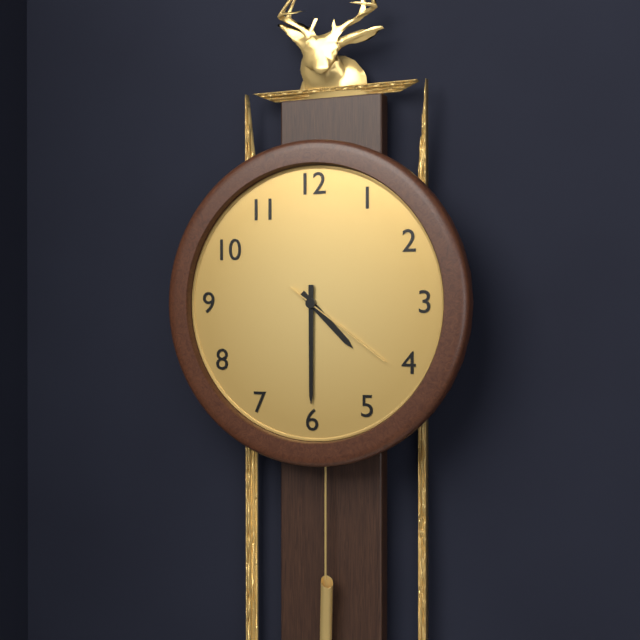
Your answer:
h=4 m=30 s=21
